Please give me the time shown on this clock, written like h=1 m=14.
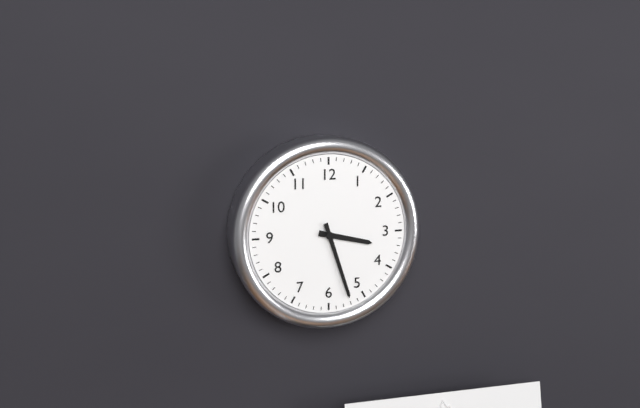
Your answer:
h=3 m=27
